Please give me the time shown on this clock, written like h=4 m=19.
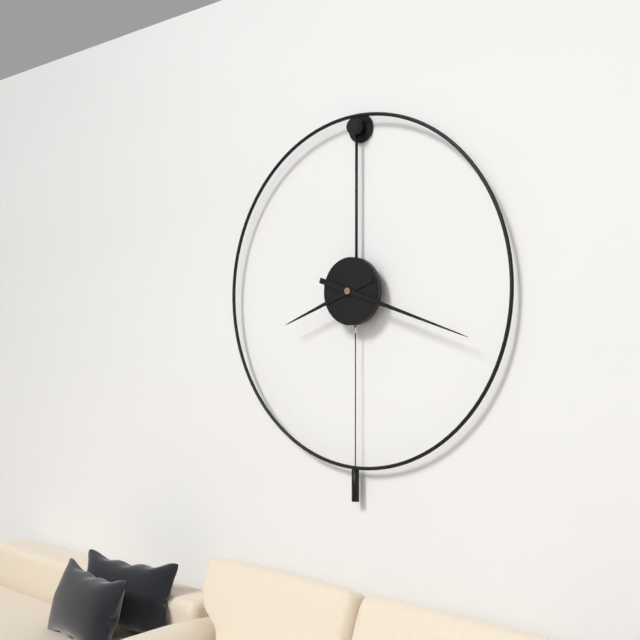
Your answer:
h=8 m=18
